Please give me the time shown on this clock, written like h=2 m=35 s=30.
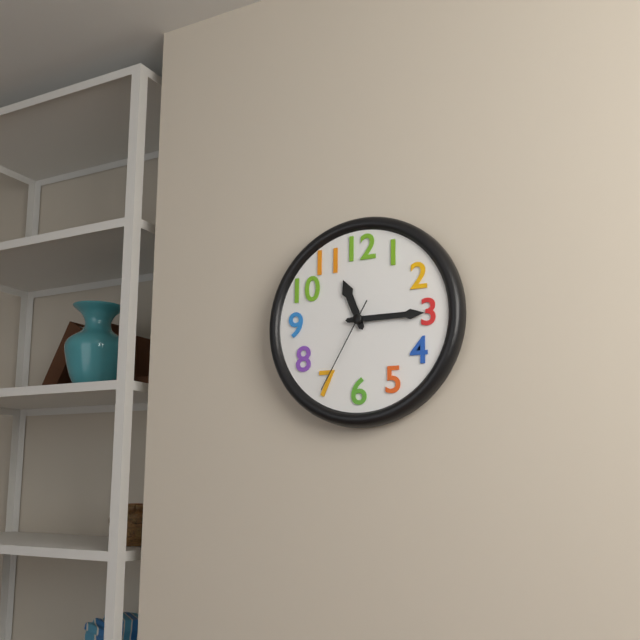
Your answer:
h=11 m=15 s=35
